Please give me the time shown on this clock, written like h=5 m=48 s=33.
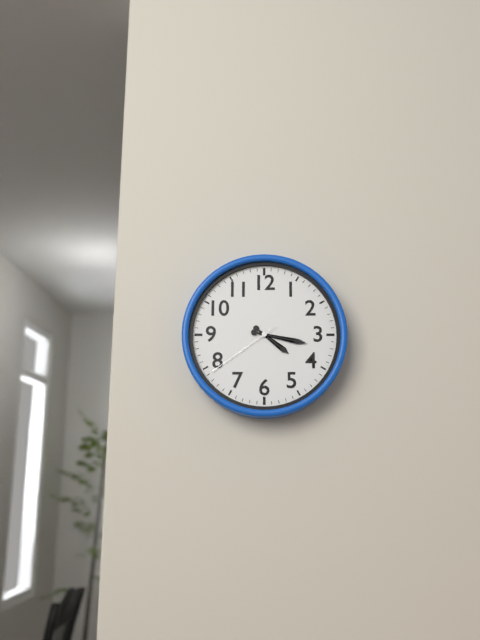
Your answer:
h=4 m=17 s=39
